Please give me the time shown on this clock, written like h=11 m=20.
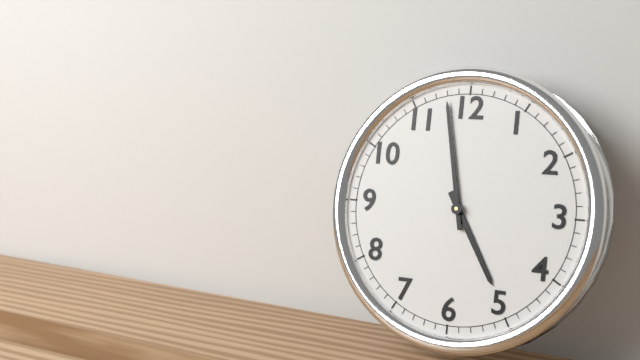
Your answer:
h=4 m=58
